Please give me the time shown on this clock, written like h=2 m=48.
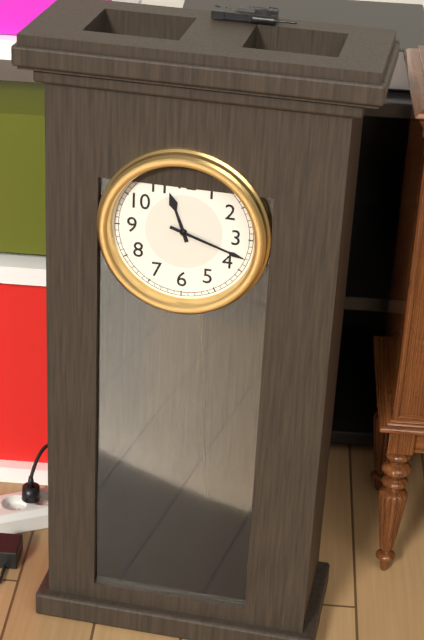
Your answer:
h=11 m=18
